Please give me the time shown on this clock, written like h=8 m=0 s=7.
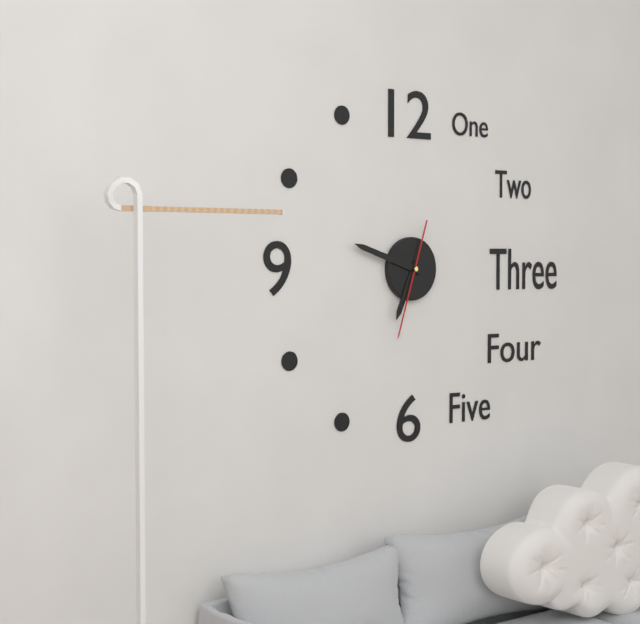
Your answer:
h=6 m=48 s=33
